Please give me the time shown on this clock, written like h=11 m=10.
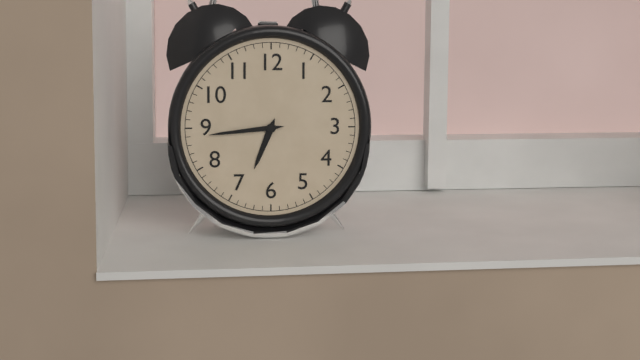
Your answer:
h=6 m=44
